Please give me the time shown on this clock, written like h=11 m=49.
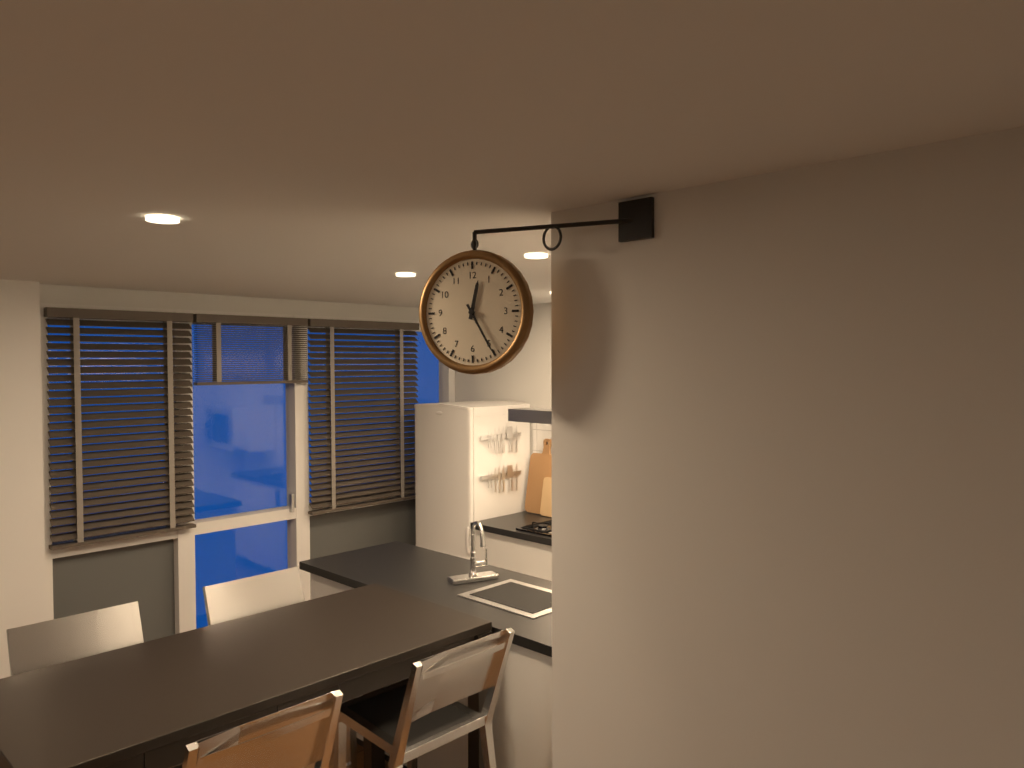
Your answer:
h=12 m=25
